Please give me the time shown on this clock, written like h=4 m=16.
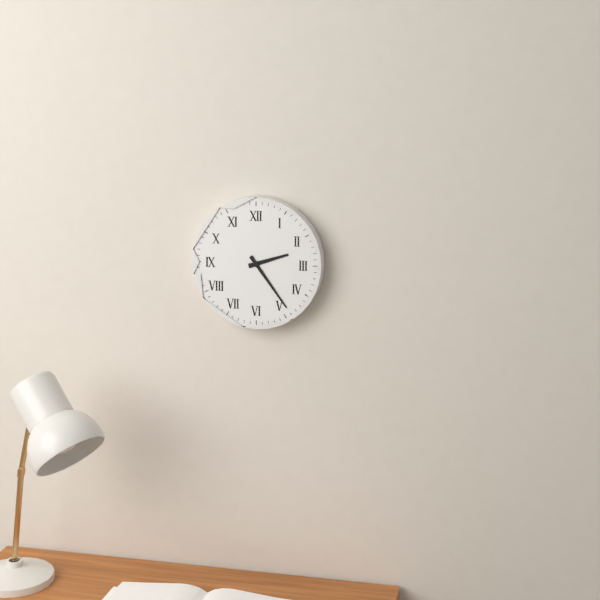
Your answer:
h=2 m=24
